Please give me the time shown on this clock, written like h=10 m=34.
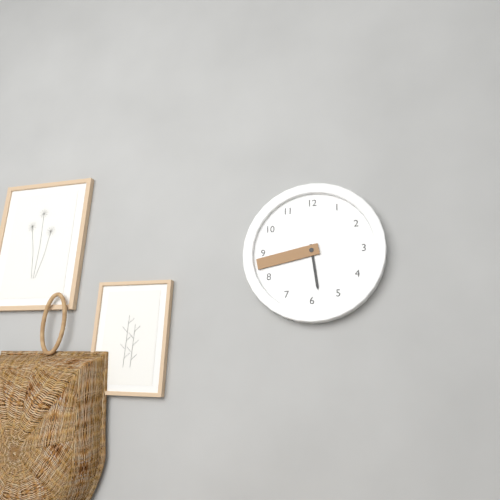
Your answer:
h=5 m=43
